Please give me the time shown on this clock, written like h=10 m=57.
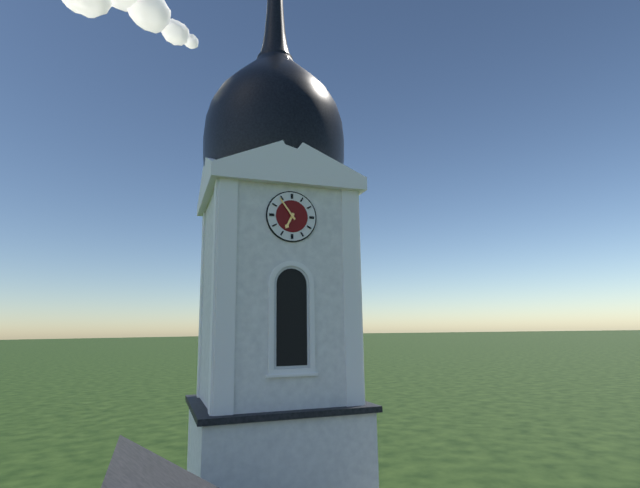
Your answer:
h=6 m=54
